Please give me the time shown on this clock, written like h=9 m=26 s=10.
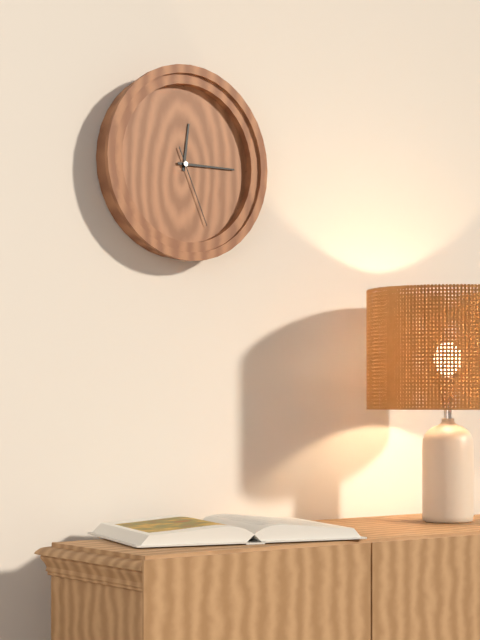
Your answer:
h=12 m=15 s=26
